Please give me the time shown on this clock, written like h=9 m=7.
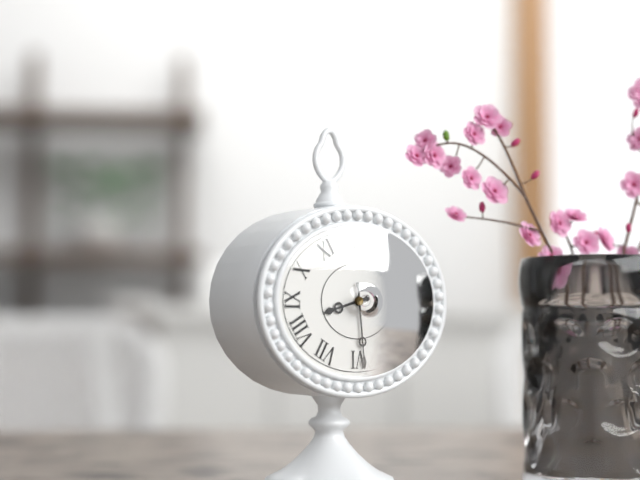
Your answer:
h=8 m=29
